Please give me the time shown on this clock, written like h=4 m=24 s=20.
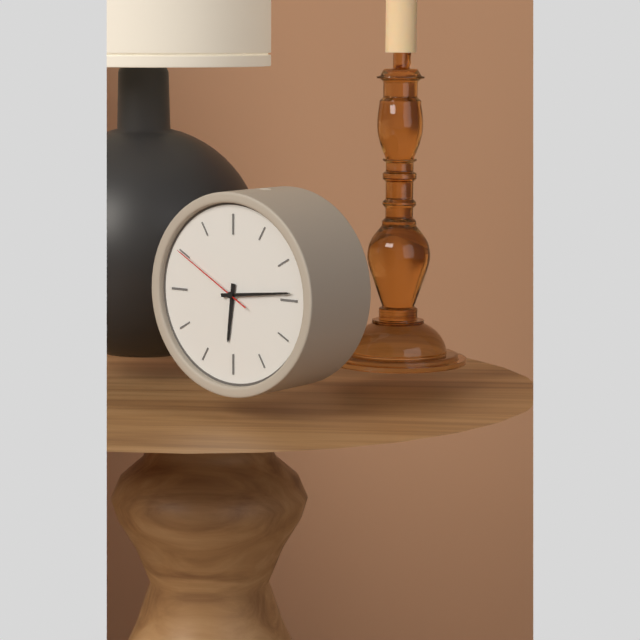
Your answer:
h=6 m=14 s=50
